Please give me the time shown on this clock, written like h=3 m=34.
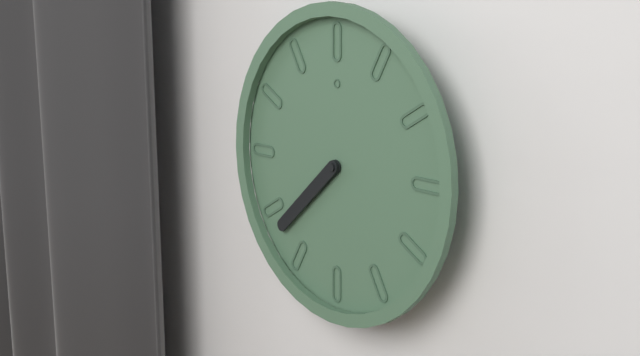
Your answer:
h=7 m=38
